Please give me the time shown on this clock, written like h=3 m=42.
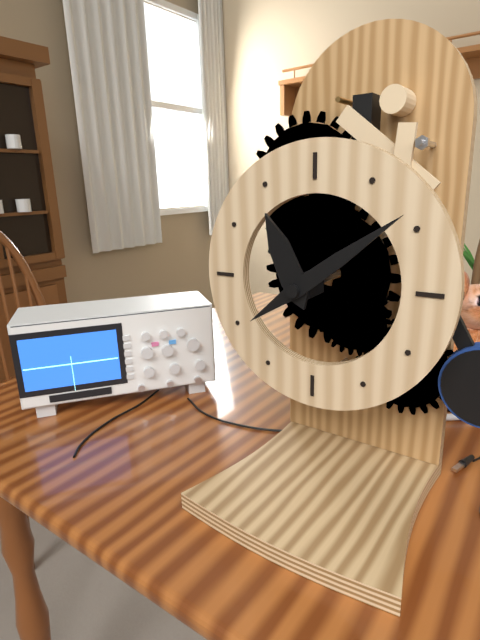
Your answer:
h=11 m=9
